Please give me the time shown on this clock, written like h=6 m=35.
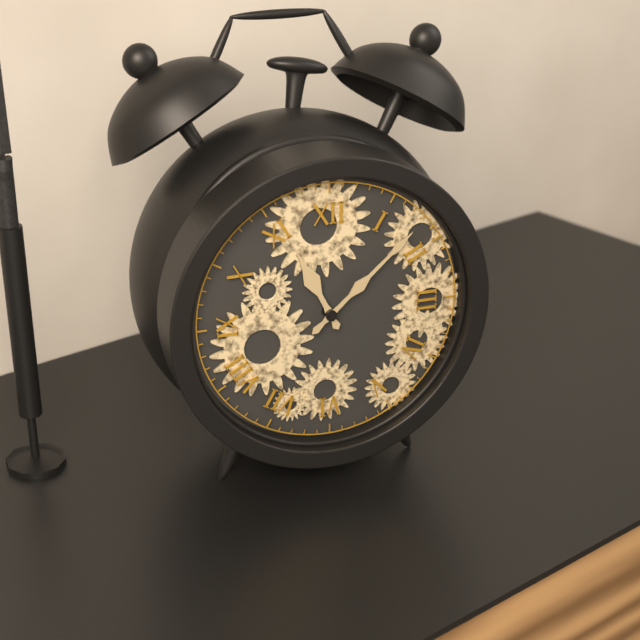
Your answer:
h=11 m=8
